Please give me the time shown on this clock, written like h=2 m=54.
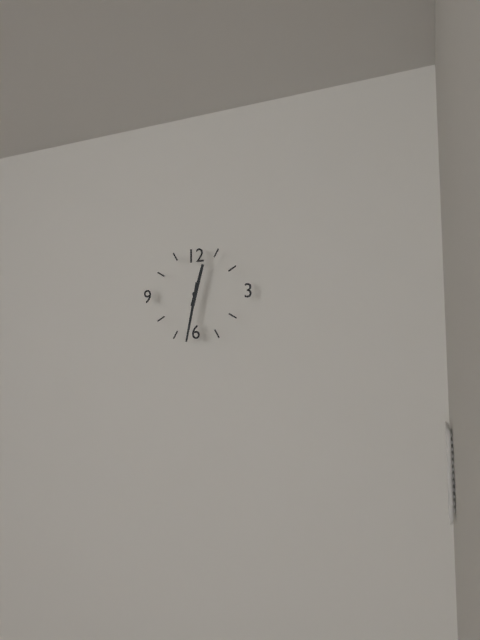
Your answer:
h=12 m=32
